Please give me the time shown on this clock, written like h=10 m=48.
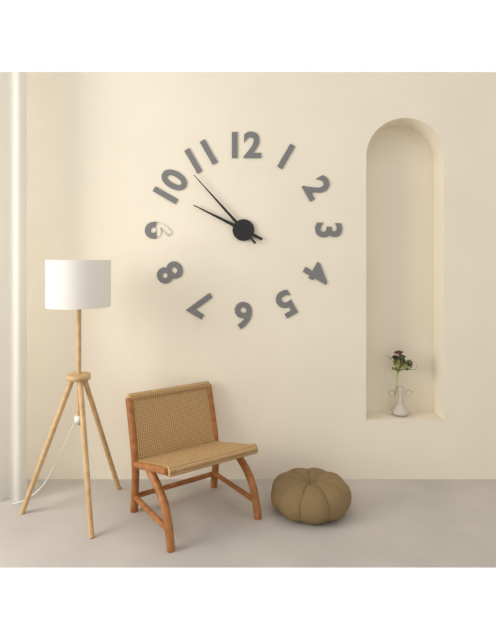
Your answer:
h=9 m=53
